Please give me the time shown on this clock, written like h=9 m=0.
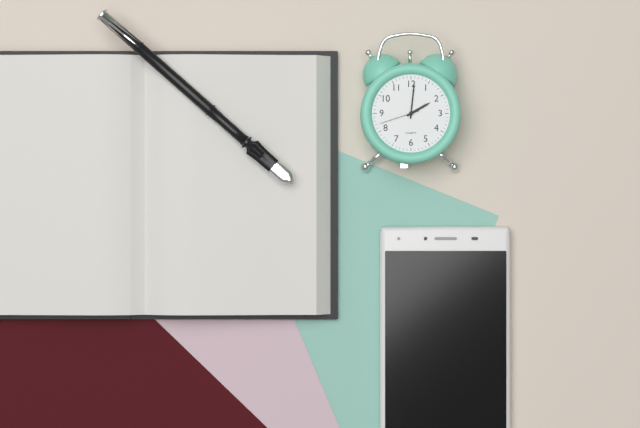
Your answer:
h=2 m=1
